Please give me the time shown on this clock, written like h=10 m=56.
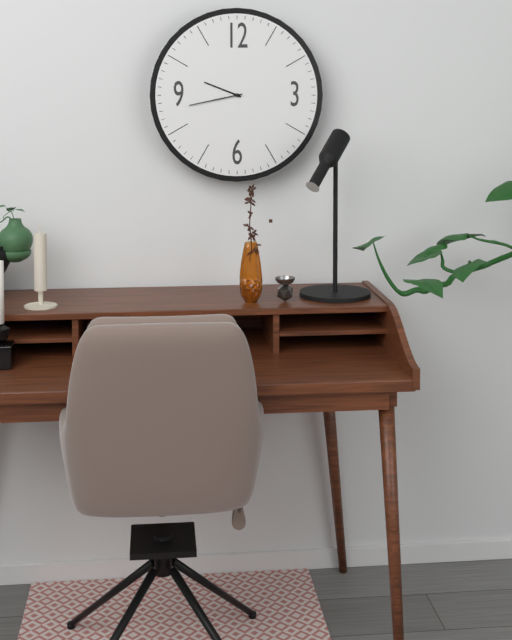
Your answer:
h=9 m=43
